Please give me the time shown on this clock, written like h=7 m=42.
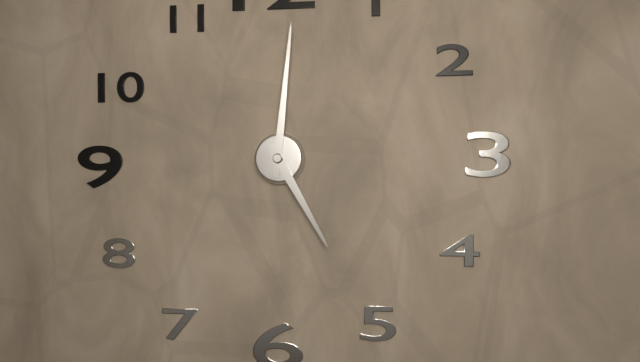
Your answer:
h=5 m=1
